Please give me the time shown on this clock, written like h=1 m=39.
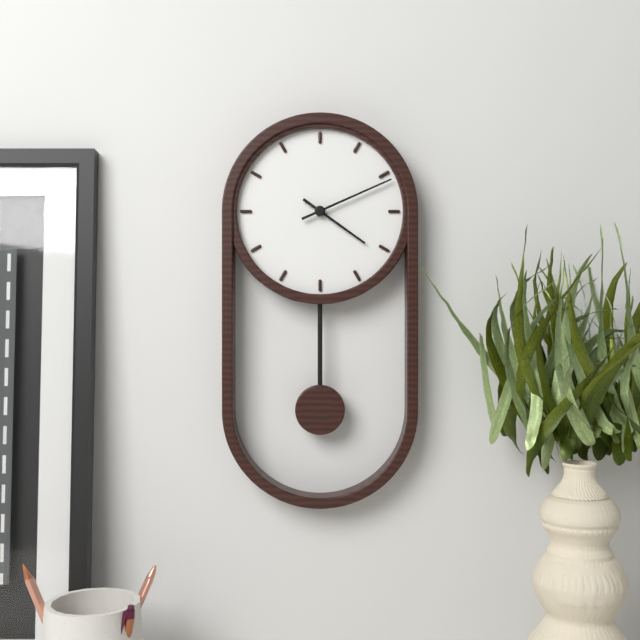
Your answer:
h=4 m=11
